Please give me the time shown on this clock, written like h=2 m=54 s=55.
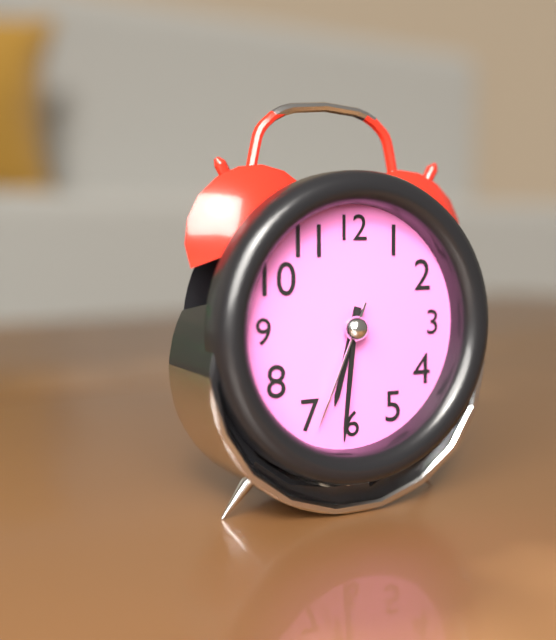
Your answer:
h=6 m=31 s=34
